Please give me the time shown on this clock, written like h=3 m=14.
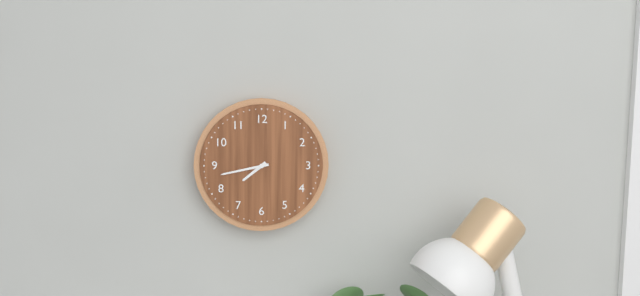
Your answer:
h=7 m=43
